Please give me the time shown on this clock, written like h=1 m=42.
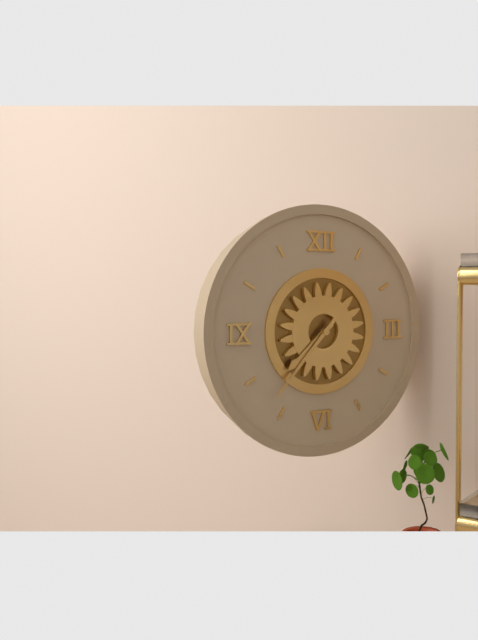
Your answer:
h=7 m=37
